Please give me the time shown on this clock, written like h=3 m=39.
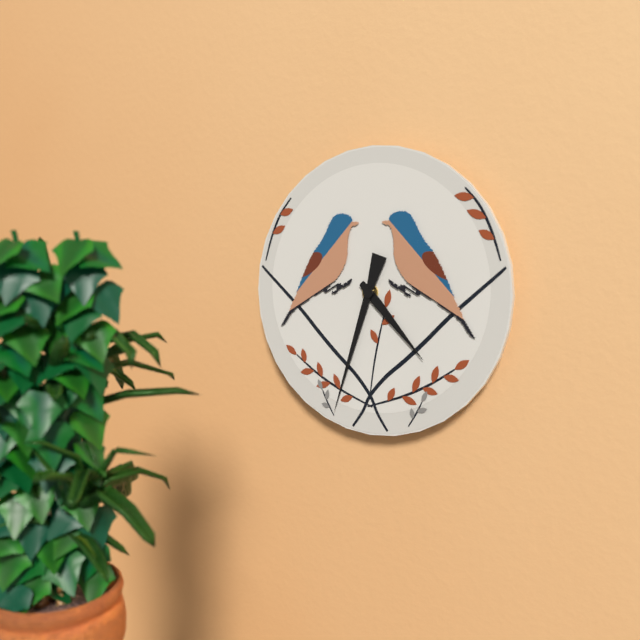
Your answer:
h=4 m=33
